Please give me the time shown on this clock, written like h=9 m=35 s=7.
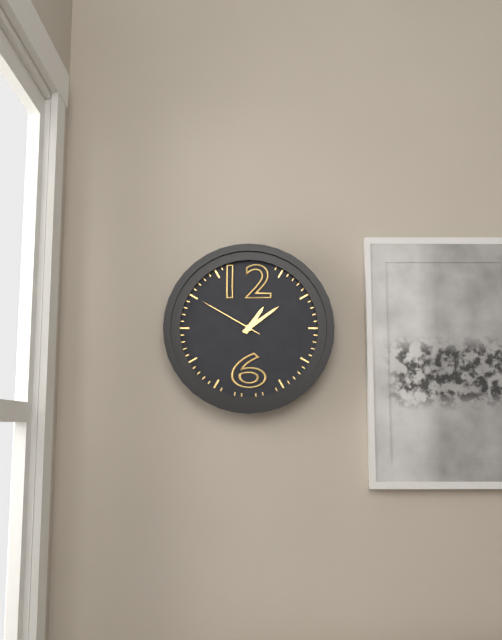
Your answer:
h=1 m=9 s=50
